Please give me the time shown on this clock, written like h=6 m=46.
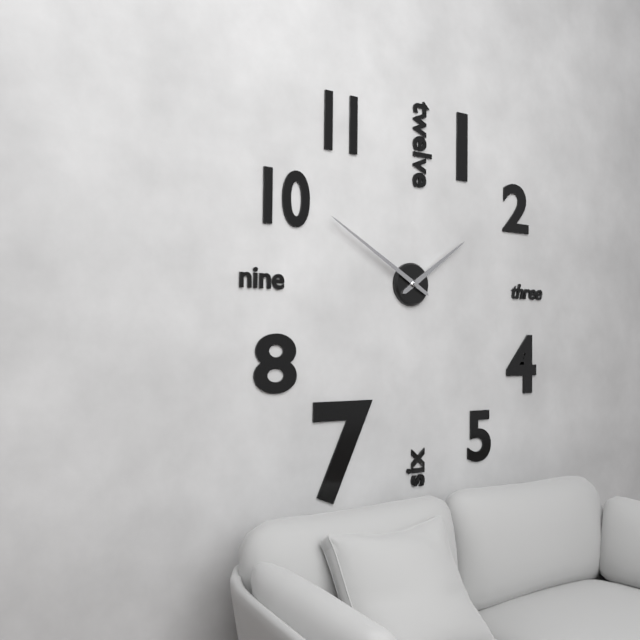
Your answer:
h=1 m=50
